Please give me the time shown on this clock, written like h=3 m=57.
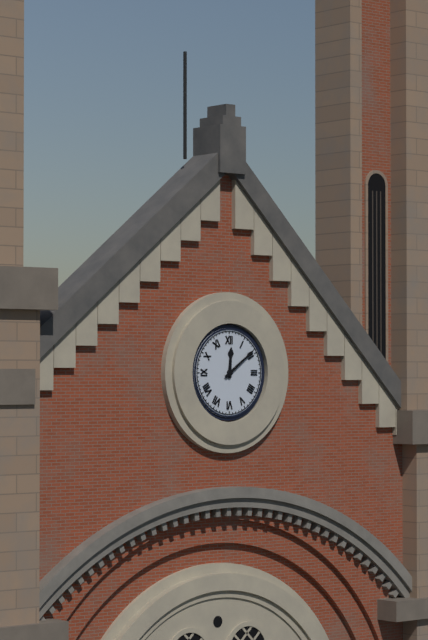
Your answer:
h=12 m=9
